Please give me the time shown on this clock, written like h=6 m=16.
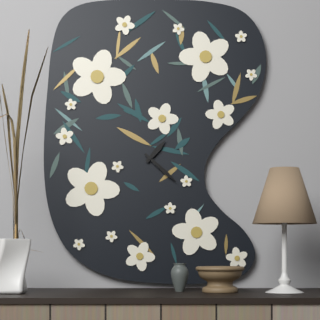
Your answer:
h=1 m=22
